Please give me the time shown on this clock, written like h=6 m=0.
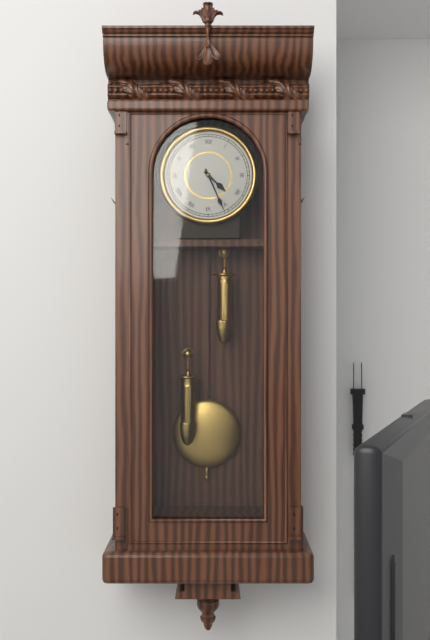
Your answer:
h=4 m=26
